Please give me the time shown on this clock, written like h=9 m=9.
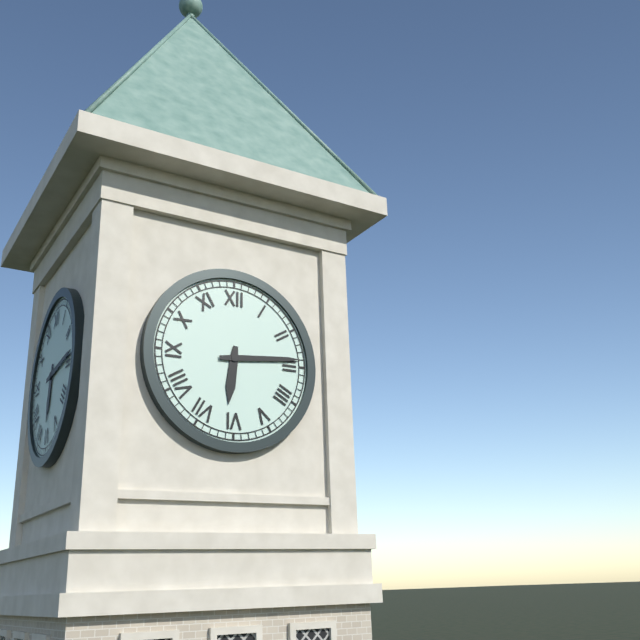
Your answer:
h=6 m=14
